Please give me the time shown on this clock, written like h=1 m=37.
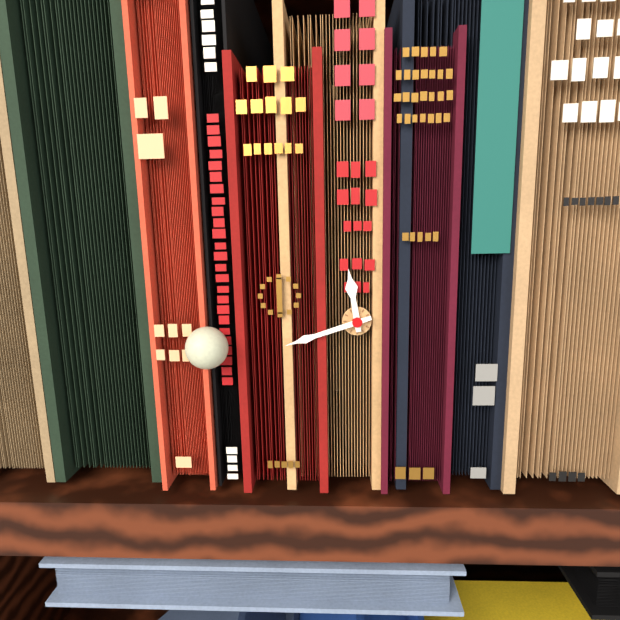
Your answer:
h=11 m=42
